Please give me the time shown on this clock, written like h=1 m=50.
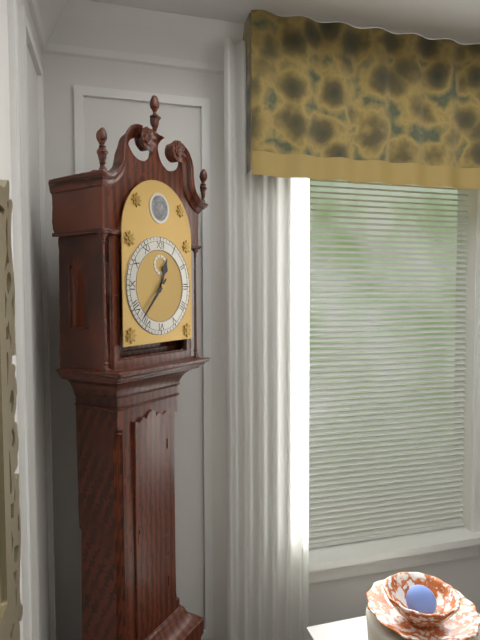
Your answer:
h=12 m=37
